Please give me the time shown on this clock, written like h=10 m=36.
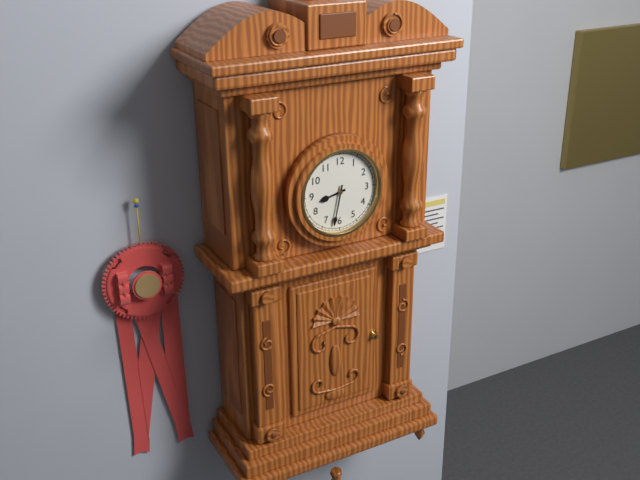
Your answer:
h=8 m=32
